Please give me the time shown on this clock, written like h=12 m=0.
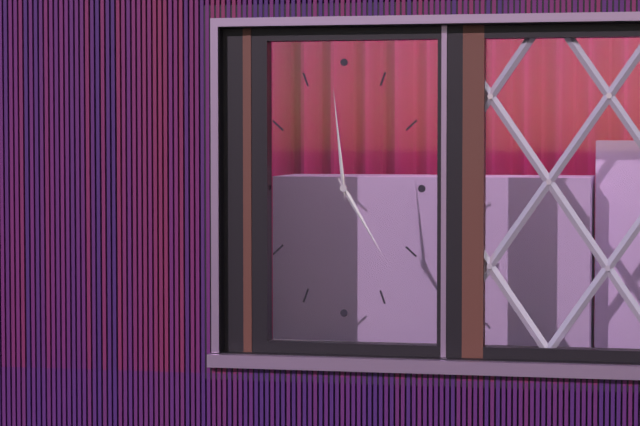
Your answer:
h=4 m=59
